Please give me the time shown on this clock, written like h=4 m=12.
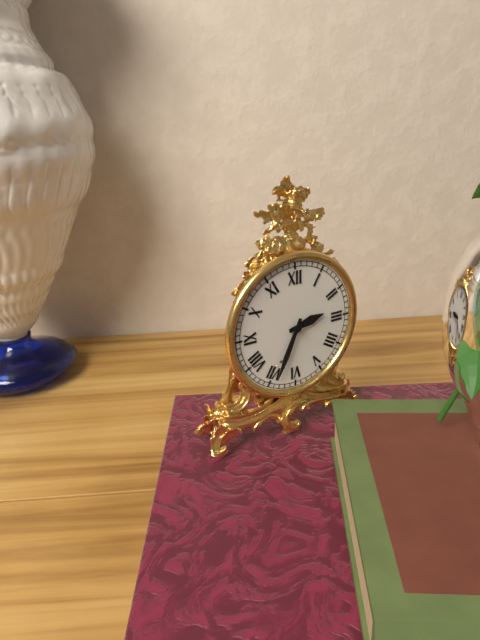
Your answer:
h=2 m=34
